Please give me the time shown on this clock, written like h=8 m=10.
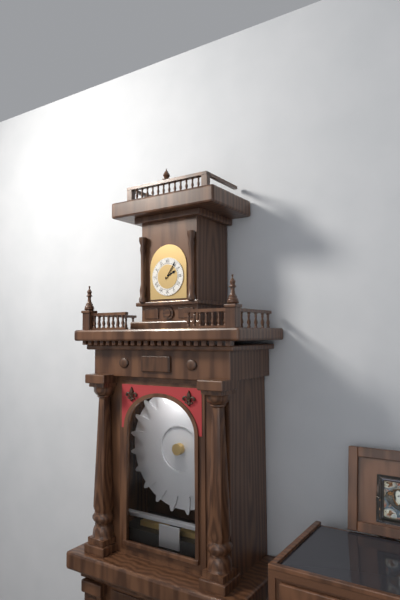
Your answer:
h=2 m=6
